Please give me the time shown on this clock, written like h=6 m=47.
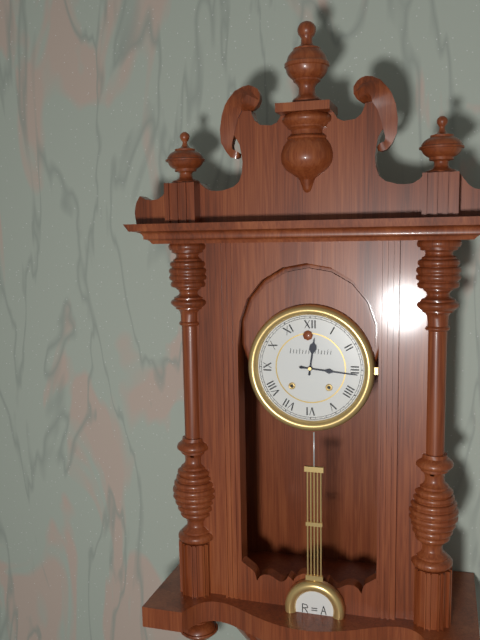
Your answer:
h=12 m=16
